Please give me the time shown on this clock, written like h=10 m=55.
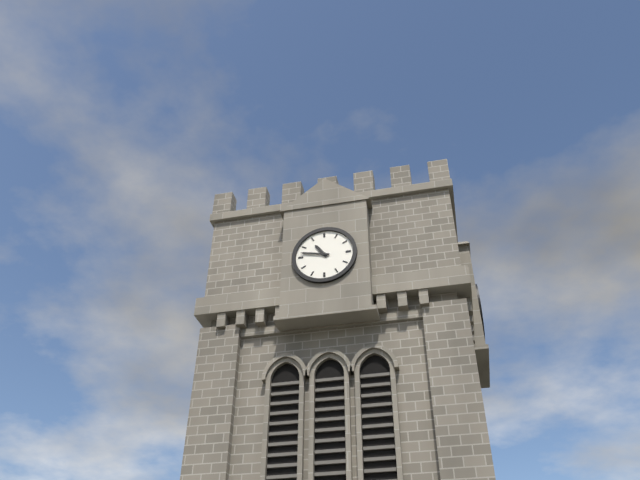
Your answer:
h=10 m=47
